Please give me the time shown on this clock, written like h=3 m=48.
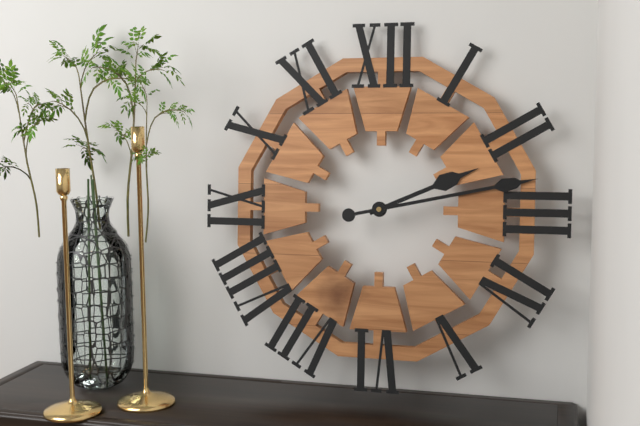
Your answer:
h=2 m=13
